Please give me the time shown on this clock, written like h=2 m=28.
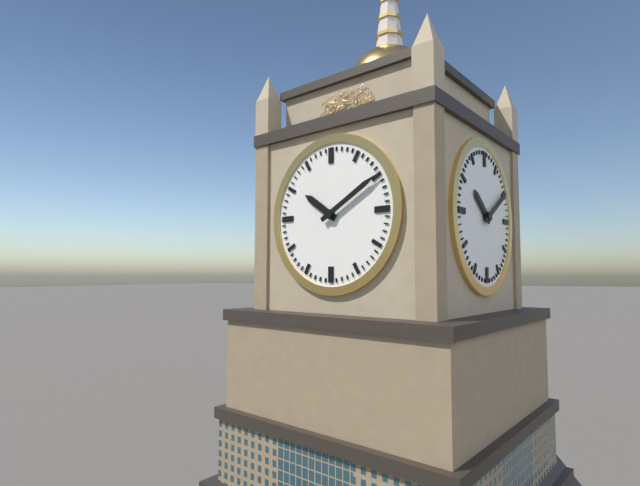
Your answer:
h=10 m=10
